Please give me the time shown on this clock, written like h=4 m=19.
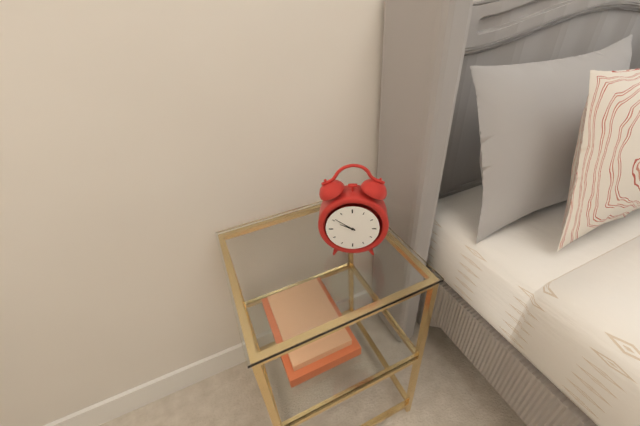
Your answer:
h=9 m=51
